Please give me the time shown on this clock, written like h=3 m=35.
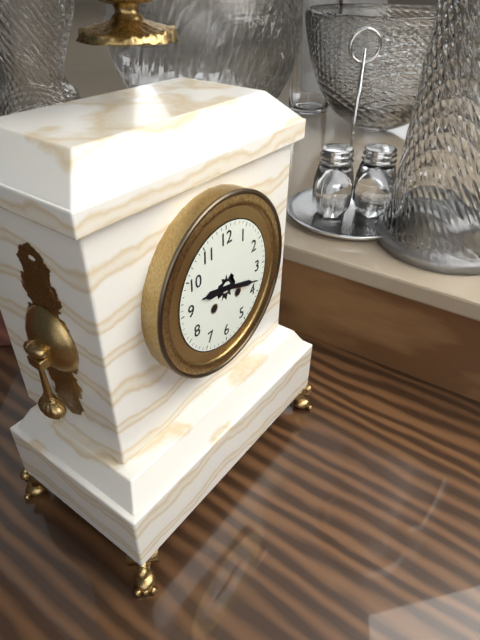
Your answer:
h=9 m=18
